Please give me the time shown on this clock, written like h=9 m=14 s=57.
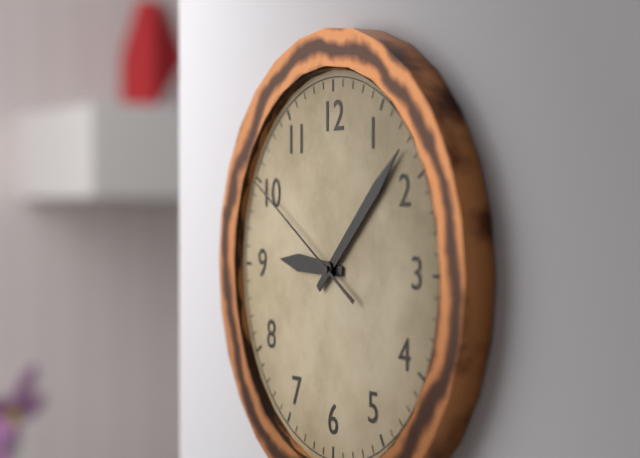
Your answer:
h=9 m=8 s=50
